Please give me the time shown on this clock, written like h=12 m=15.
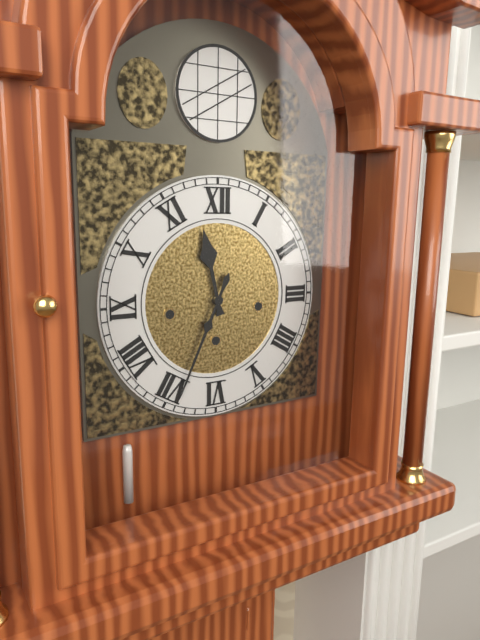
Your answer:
h=11 m=34
